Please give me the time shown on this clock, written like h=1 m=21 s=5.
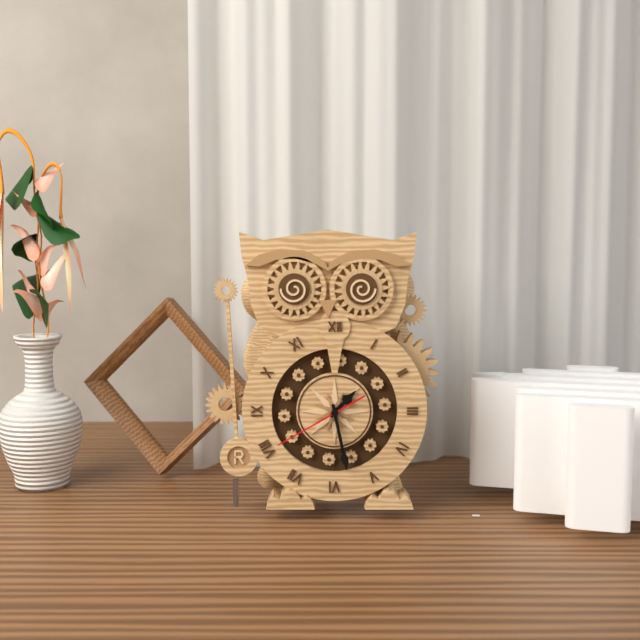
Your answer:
h=1 m=28 s=40
